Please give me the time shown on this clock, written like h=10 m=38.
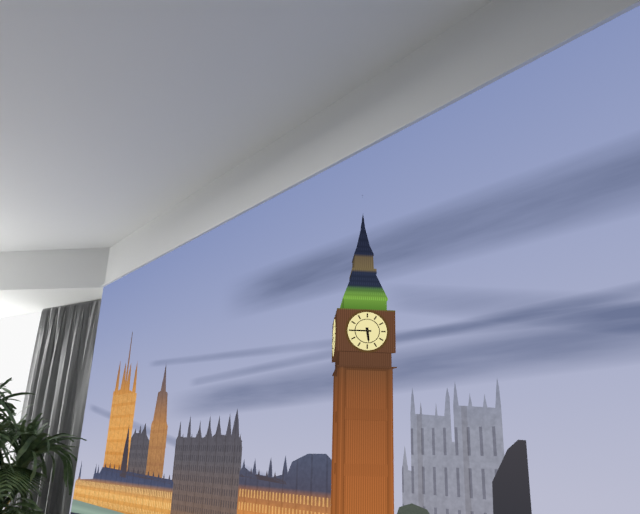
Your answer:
h=5 m=45
